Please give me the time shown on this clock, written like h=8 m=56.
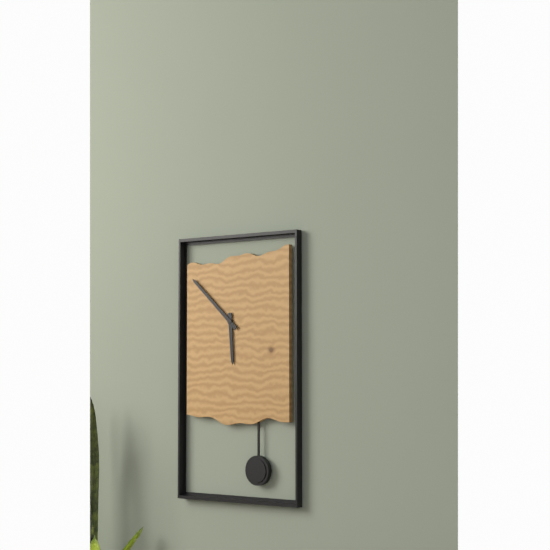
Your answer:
h=5 m=52
